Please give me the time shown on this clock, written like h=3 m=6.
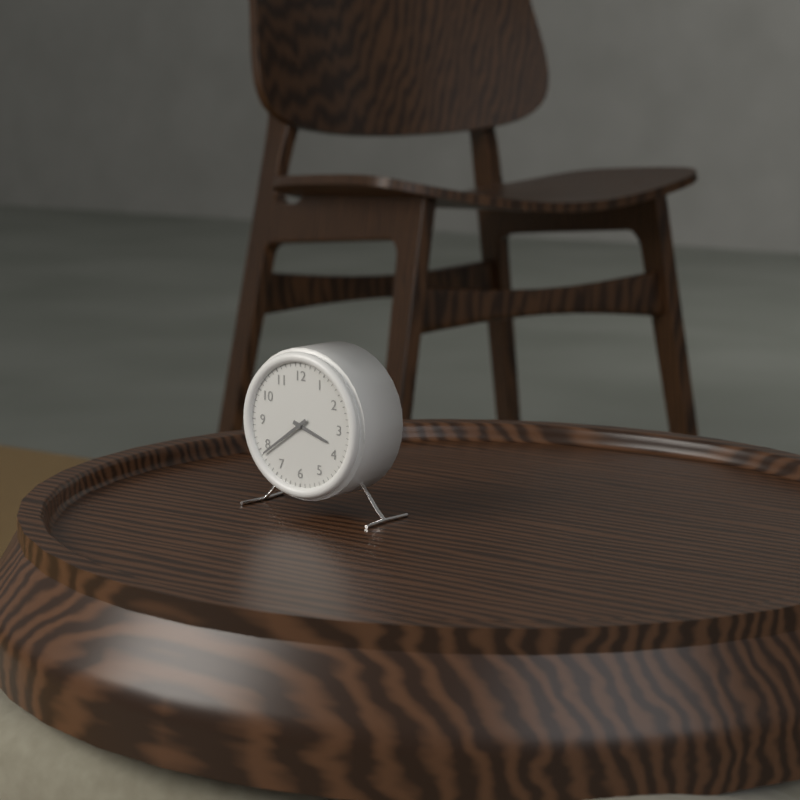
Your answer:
h=3 m=39
